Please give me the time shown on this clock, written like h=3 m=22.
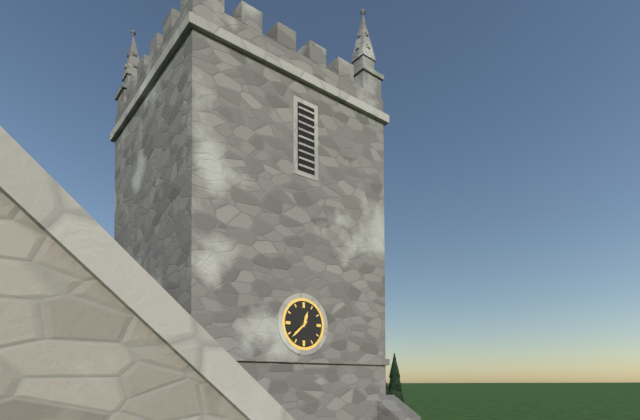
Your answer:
h=12 m=38
